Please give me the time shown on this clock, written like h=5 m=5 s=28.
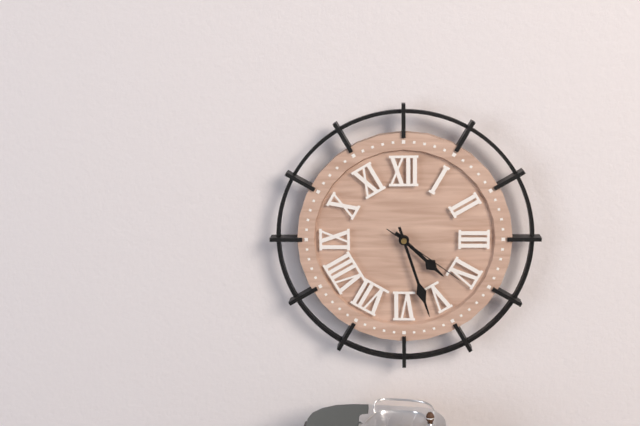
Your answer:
h=4 m=27 s=21
